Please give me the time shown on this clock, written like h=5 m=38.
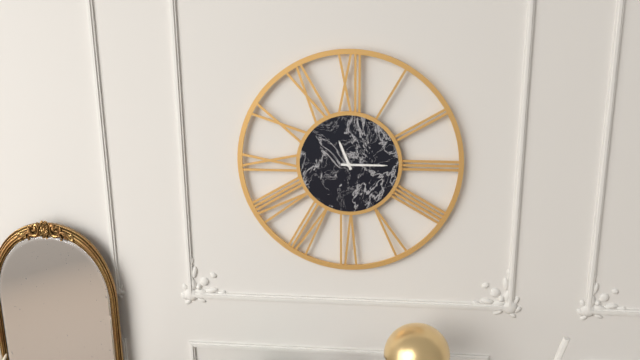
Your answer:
h=11 m=15
